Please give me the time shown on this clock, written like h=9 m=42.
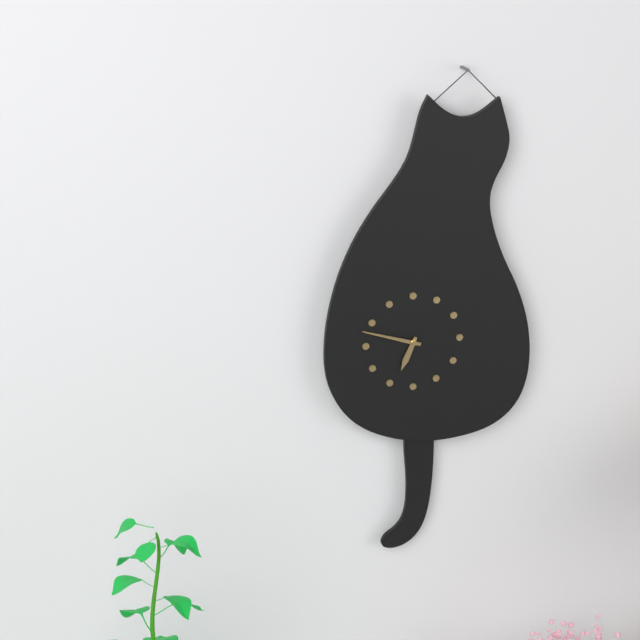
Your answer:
h=6 m=48
